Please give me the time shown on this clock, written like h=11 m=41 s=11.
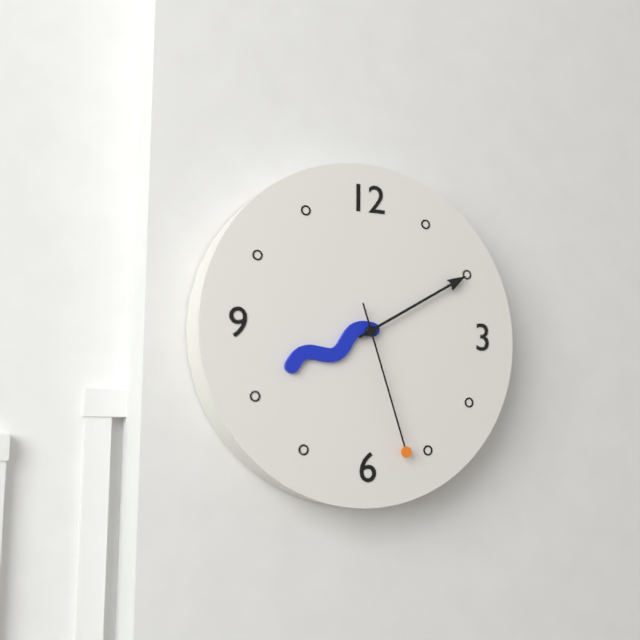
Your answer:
h=8 m=10 s=27
